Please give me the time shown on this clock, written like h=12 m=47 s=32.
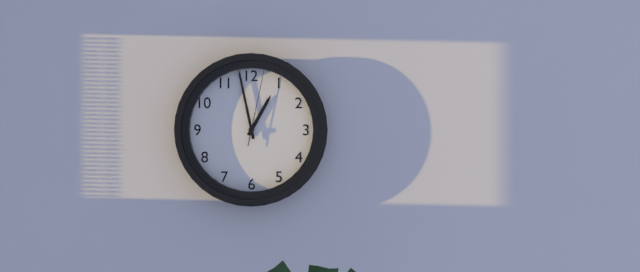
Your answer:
h=12 m=58 s=2
